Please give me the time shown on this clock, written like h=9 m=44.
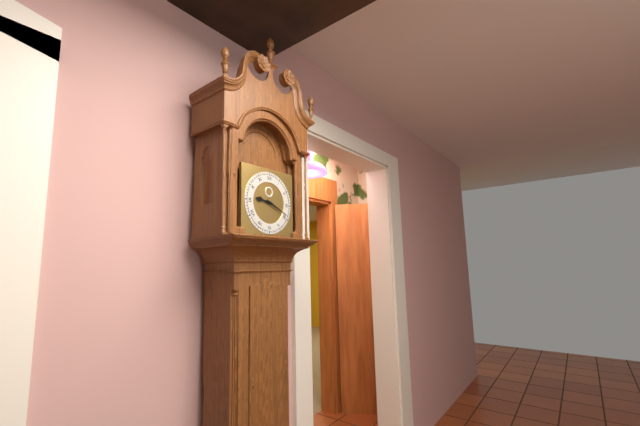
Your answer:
h=9 m=19
